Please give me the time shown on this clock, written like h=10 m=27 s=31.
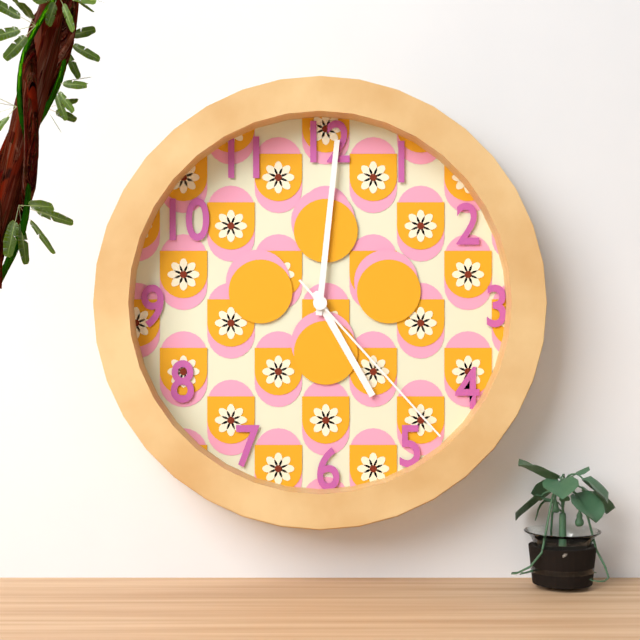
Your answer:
h=5 m=1 s=23
